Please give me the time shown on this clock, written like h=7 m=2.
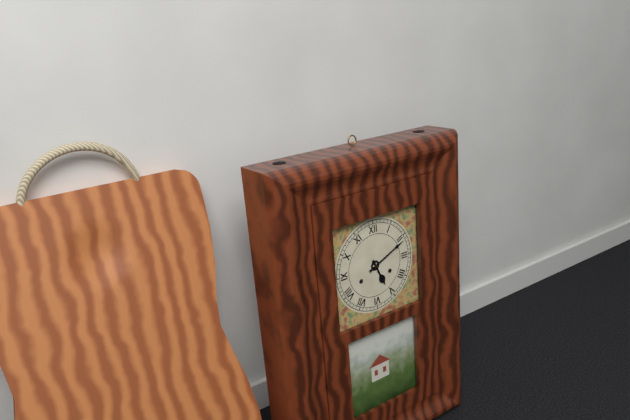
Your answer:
h=5 m=11
